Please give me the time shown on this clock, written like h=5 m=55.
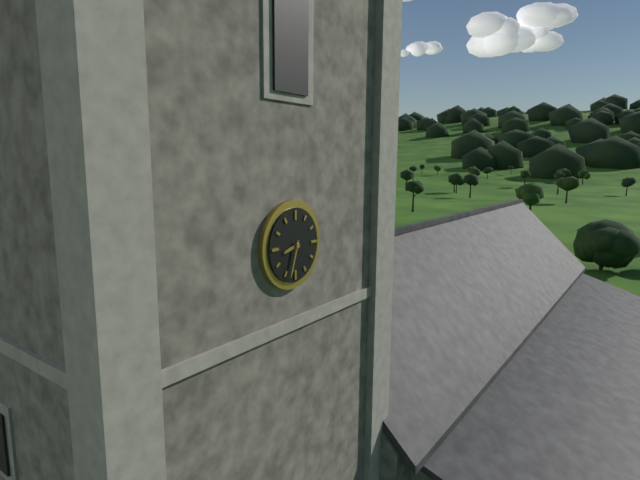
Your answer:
h=8 m=33
